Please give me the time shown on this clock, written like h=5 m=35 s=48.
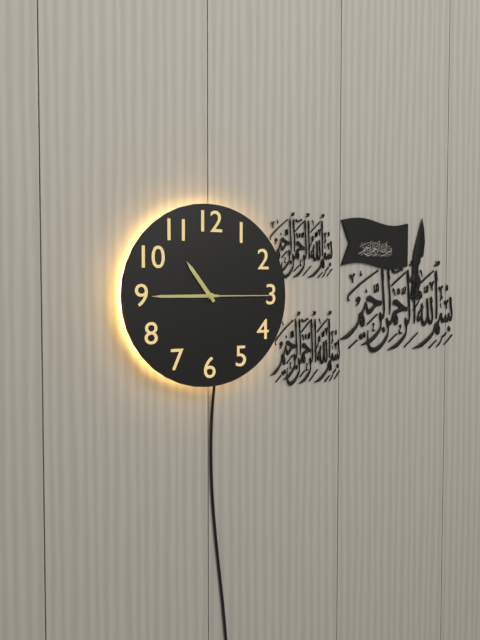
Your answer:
h=10 m=45 s=15
